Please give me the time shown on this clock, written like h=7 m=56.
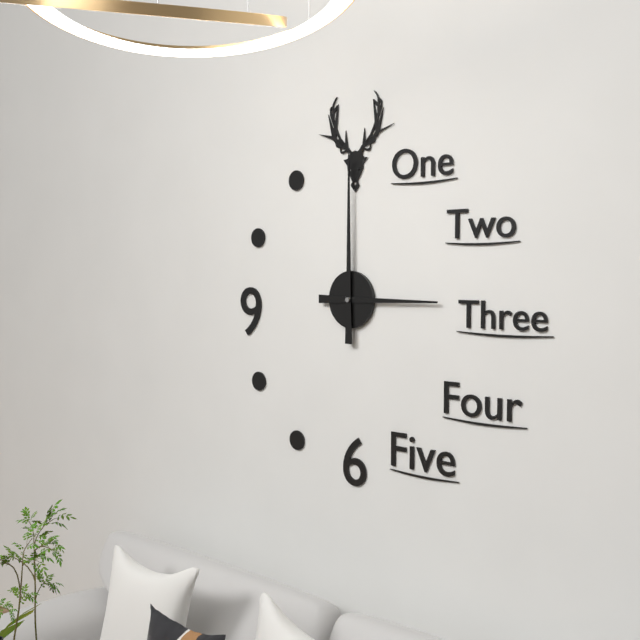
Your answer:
h=3 m=0
